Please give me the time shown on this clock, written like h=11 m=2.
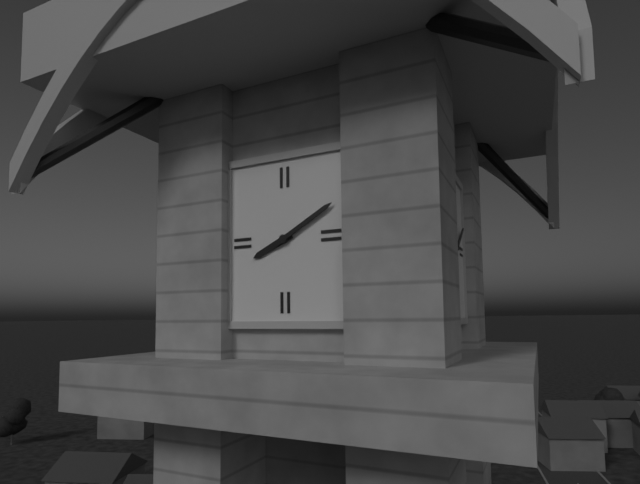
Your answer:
h=8 m=10
